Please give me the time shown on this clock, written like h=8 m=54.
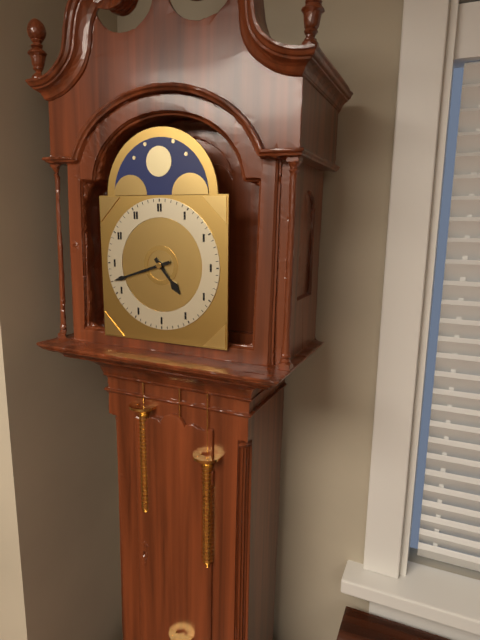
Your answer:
h=4 m=42
